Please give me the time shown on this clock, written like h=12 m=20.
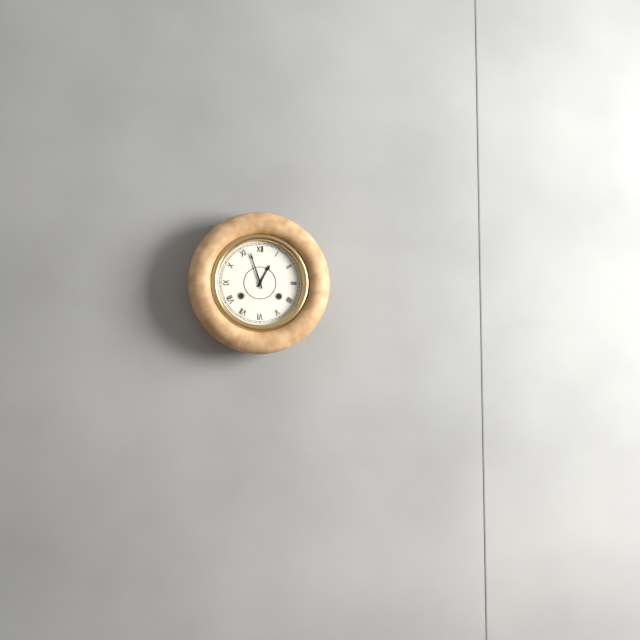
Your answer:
h=12 m=57
